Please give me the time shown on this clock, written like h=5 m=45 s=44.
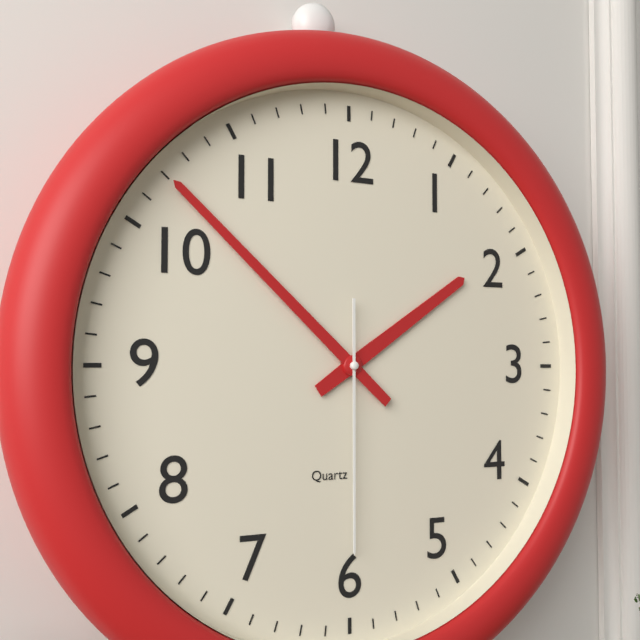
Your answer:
h=1 m=52 s=30
